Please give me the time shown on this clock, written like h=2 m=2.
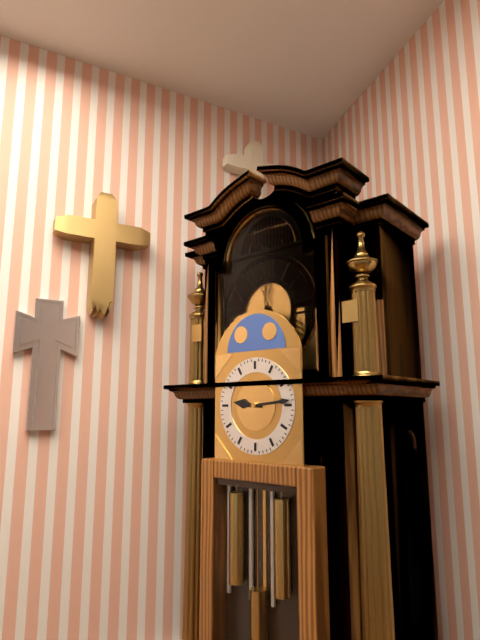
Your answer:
h=9 m=14
